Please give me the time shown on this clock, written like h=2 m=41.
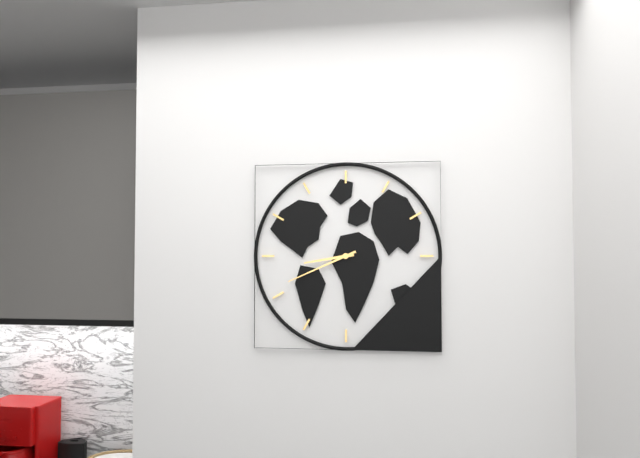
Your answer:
h=8 m=41
